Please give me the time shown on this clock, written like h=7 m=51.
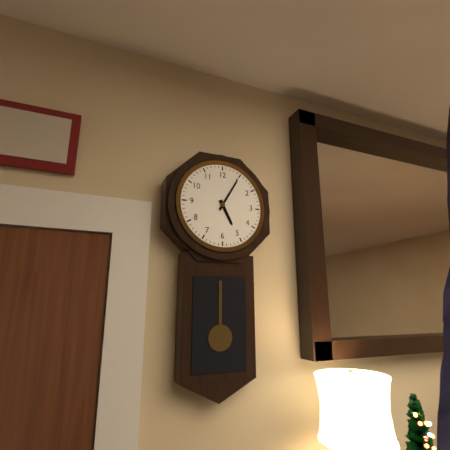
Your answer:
h=5 m=5
